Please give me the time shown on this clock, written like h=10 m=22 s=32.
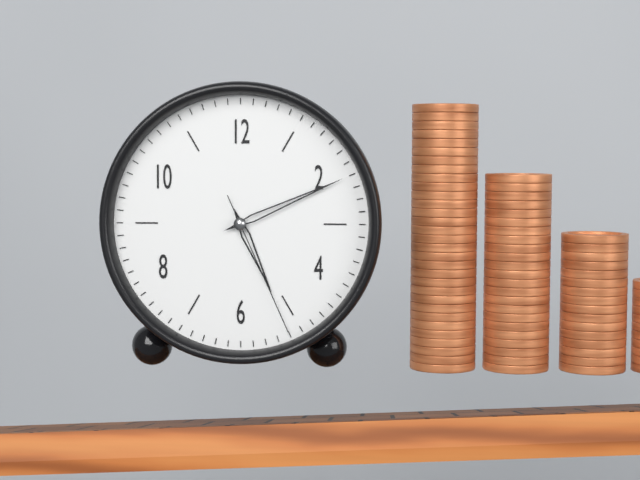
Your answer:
h=5 m=11 s=26
